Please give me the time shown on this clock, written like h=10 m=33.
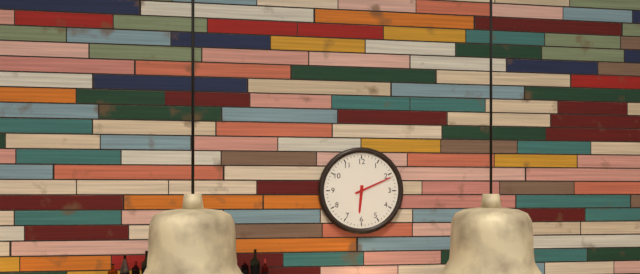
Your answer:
h=6 m=11
